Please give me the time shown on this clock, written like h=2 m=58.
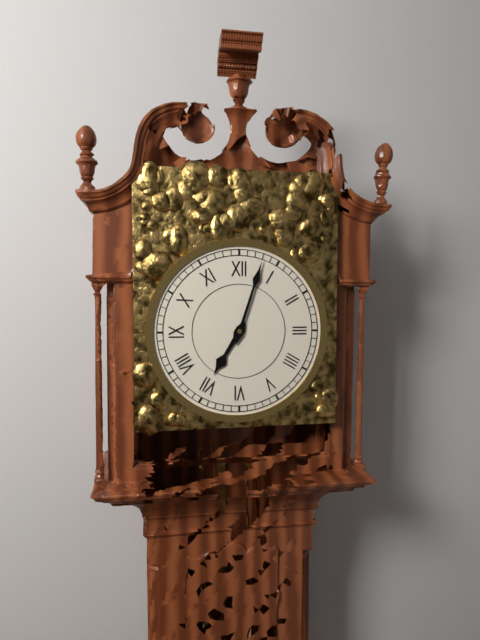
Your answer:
h=7 m=3
